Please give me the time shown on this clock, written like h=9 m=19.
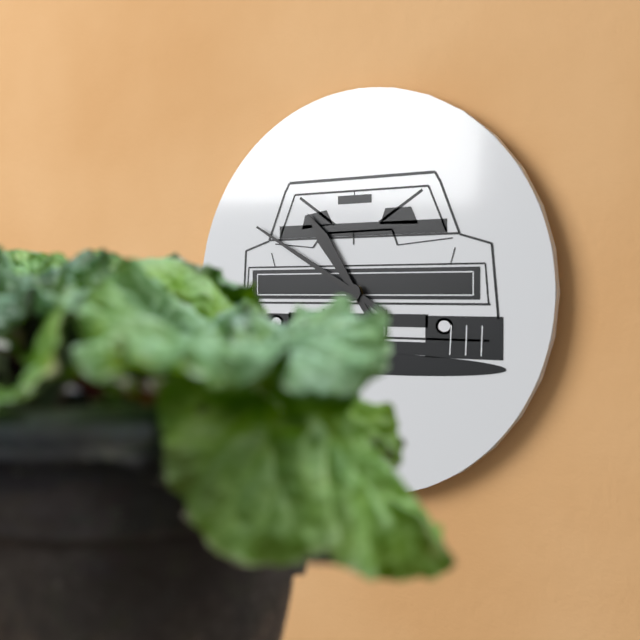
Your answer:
h=10 m=50
